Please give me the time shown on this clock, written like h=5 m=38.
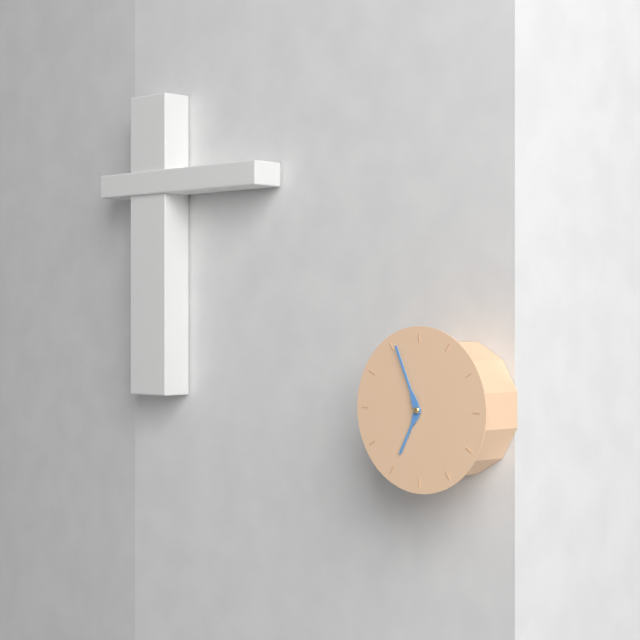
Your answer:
h=6 m=56
